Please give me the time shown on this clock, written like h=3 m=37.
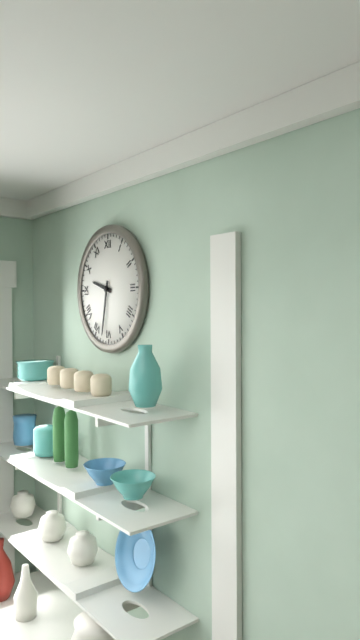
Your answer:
h=9 m=32
